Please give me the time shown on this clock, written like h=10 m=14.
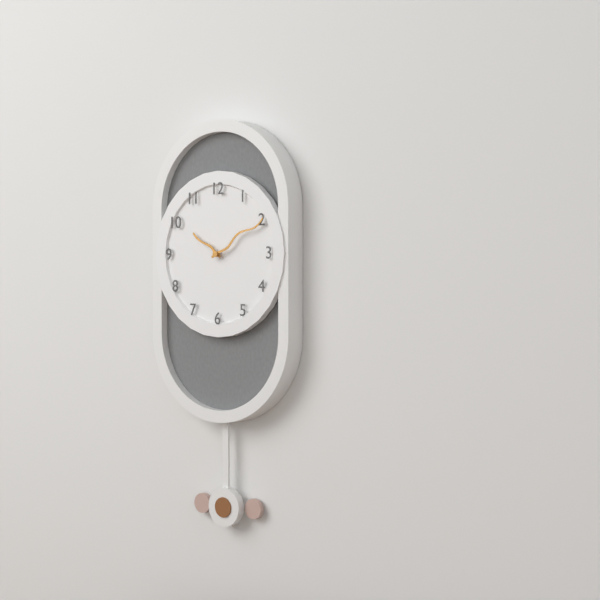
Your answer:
h=10 m=10
